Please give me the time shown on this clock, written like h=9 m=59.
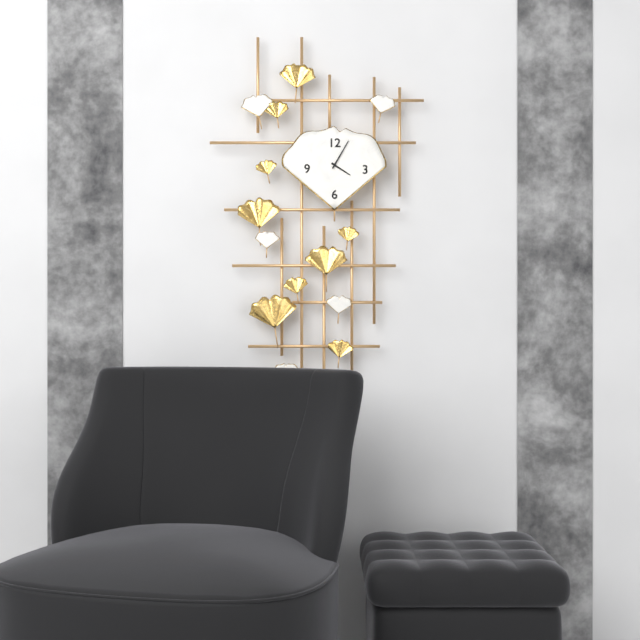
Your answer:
h=4 m=5
